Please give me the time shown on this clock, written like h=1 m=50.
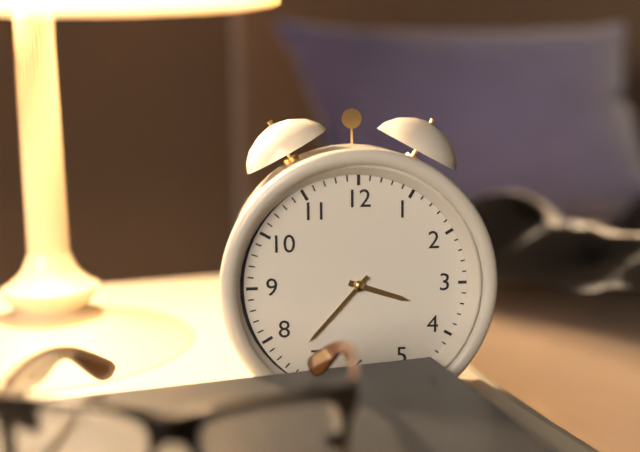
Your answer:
h=3 m=37
